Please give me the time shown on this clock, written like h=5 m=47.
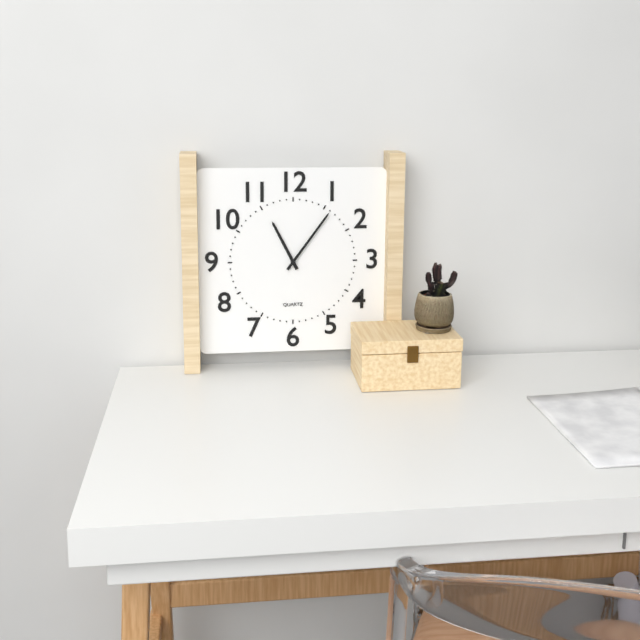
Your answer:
h=11 m=6
